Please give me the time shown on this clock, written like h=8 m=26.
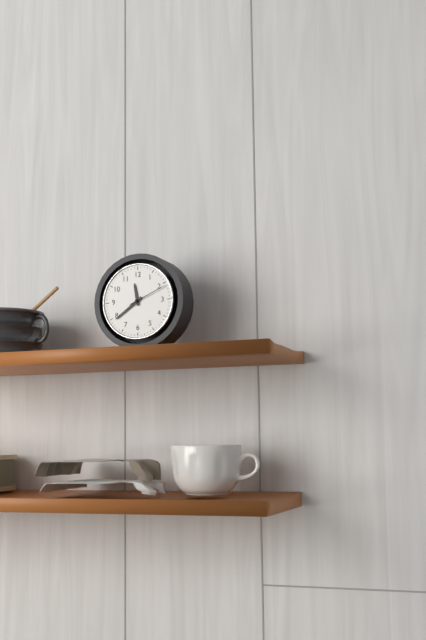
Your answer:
h=11 m=39
